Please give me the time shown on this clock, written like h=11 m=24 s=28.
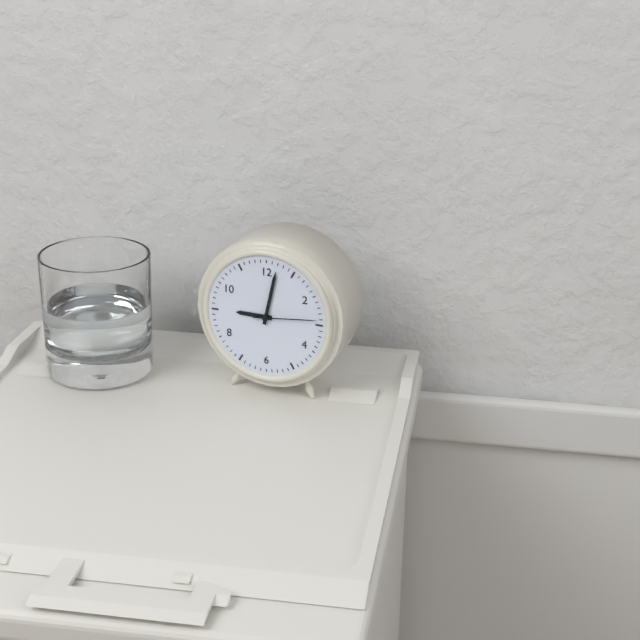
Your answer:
h=9 m=2 s=14
